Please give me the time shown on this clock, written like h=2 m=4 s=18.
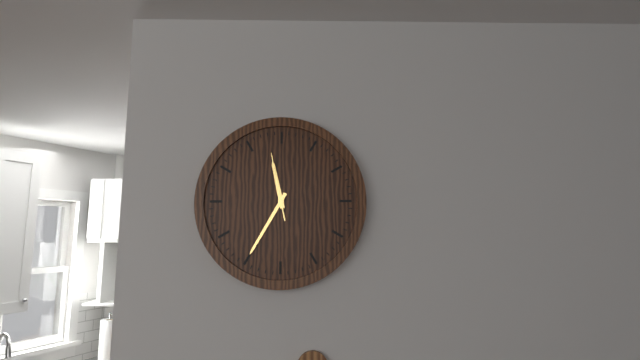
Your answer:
h=11 m=35 s=58
